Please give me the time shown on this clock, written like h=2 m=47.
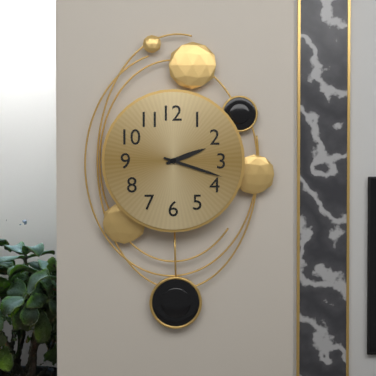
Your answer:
h=2 m=18
